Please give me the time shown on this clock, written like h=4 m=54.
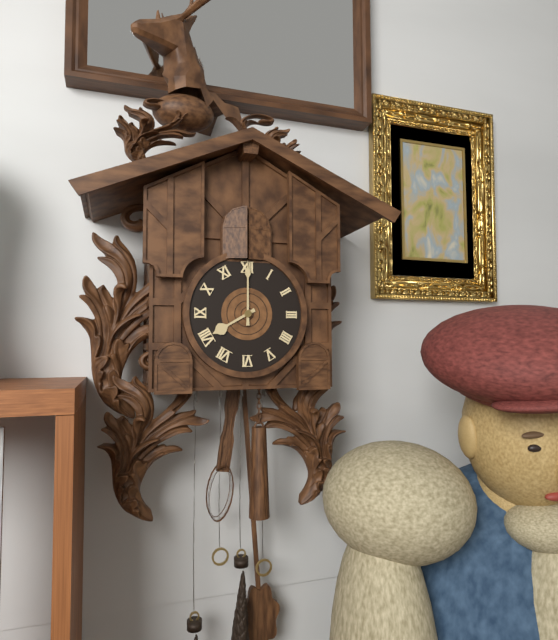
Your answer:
h=8 m=0
